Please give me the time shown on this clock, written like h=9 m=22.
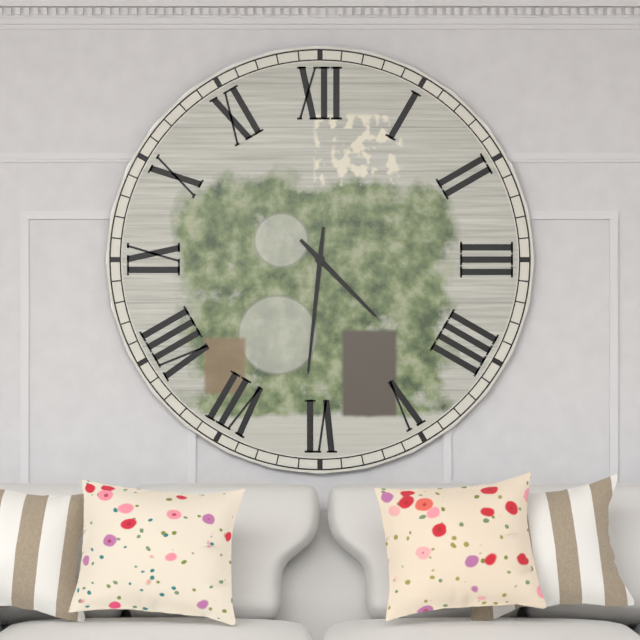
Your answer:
h=4 m=31
